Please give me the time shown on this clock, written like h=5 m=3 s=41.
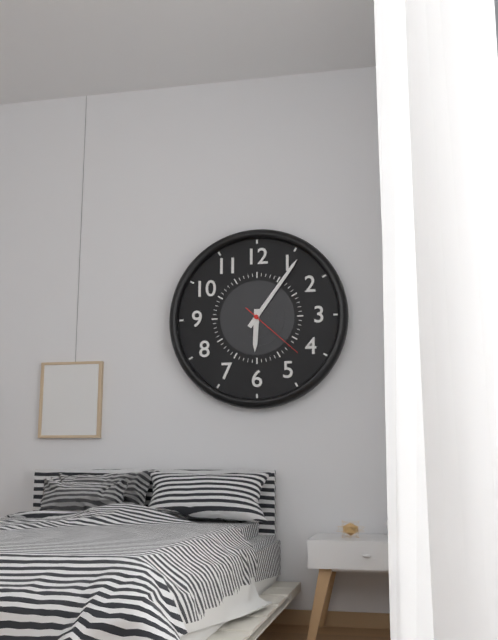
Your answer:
h=6 m=6 s=22
